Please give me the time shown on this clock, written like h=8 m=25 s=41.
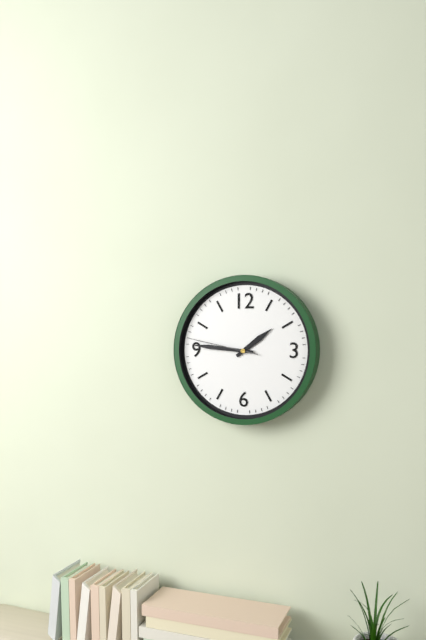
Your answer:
h=1 m=46 s=47
